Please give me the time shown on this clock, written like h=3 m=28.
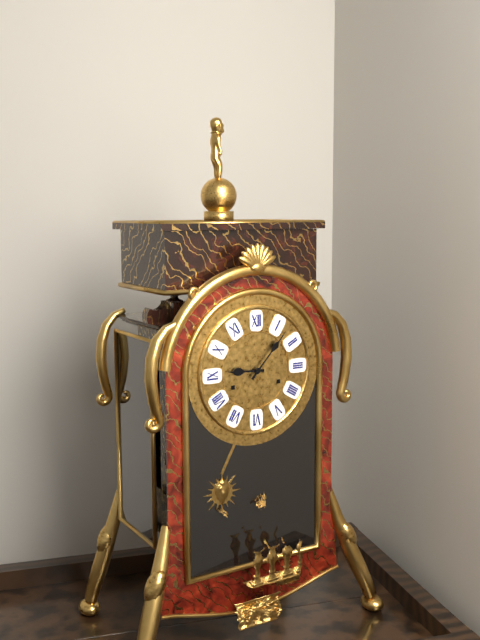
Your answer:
h=9 m=7
